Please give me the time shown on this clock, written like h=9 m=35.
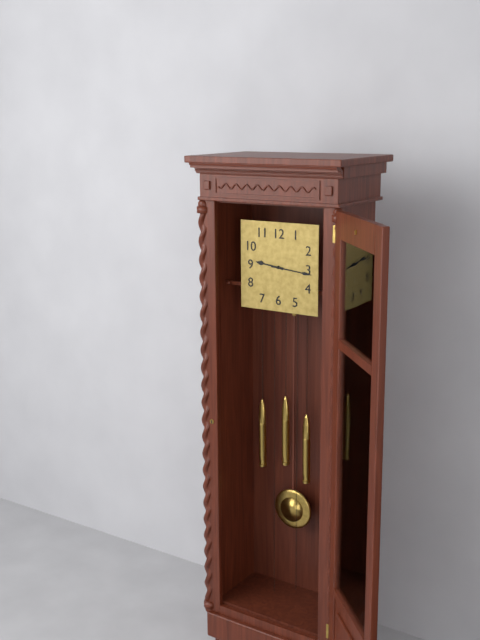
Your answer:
h=9 m=16
